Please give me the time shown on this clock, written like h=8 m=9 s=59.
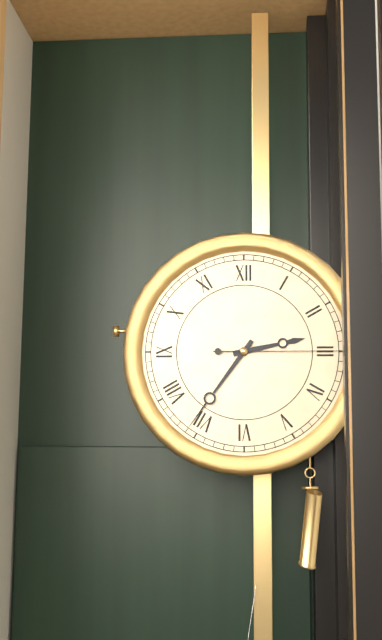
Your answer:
h=2 m=36 s=15
